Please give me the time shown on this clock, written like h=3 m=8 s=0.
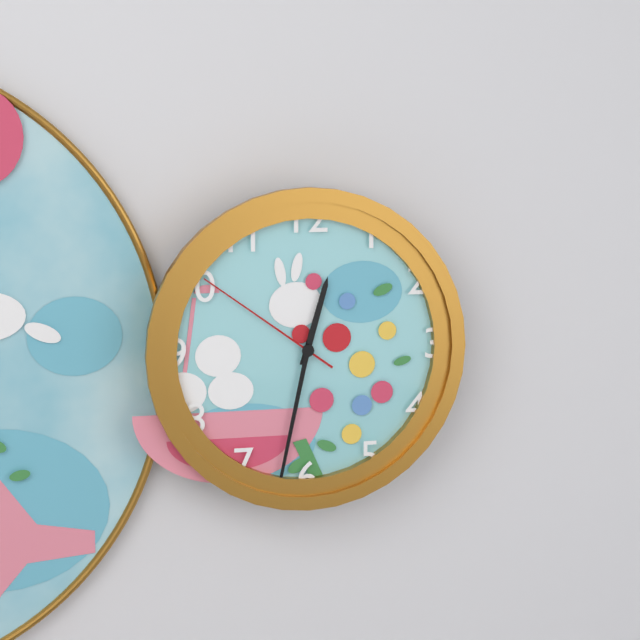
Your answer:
h=12 m=32 s=51
